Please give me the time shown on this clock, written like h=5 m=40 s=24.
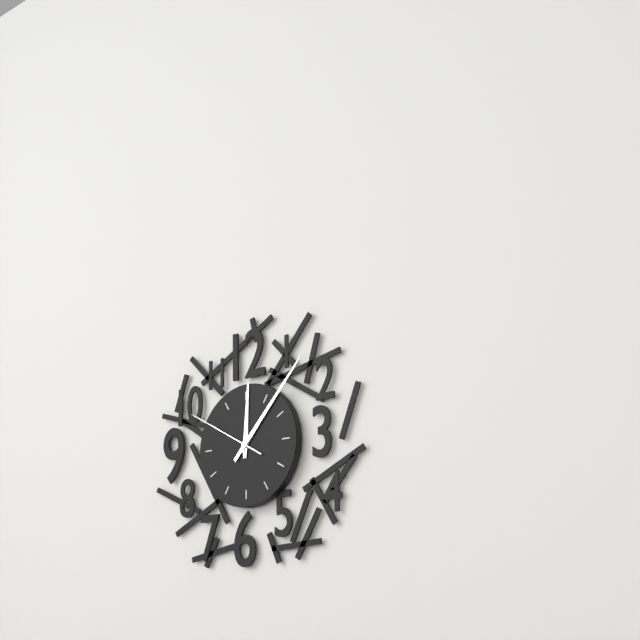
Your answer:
h=12 m=7 s=50
